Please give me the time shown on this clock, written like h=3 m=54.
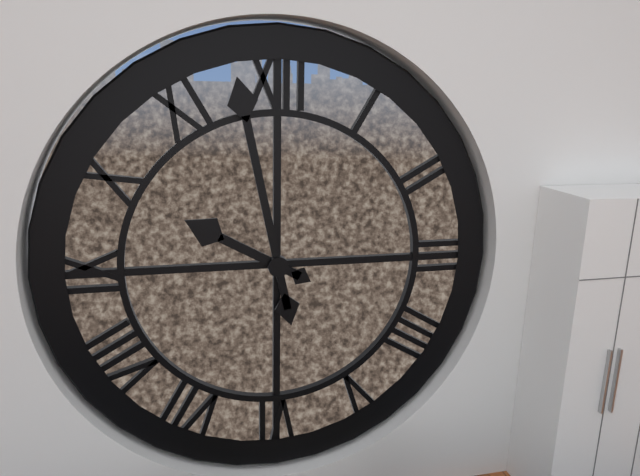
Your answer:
h=9 m=58
